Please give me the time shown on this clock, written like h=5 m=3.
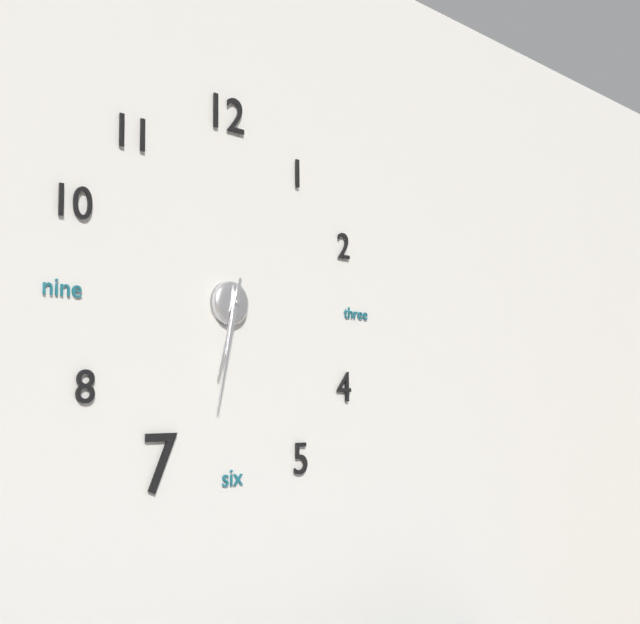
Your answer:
h=6 m=32
